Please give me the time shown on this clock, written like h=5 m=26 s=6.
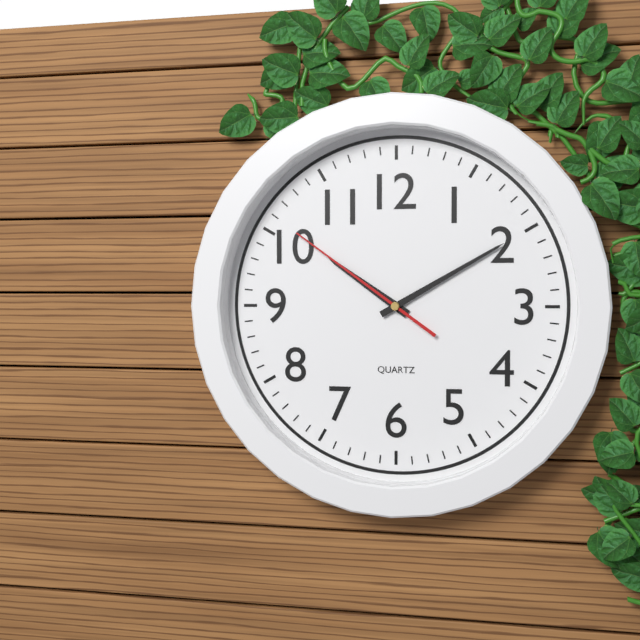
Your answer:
h=10 m=10 s=51
